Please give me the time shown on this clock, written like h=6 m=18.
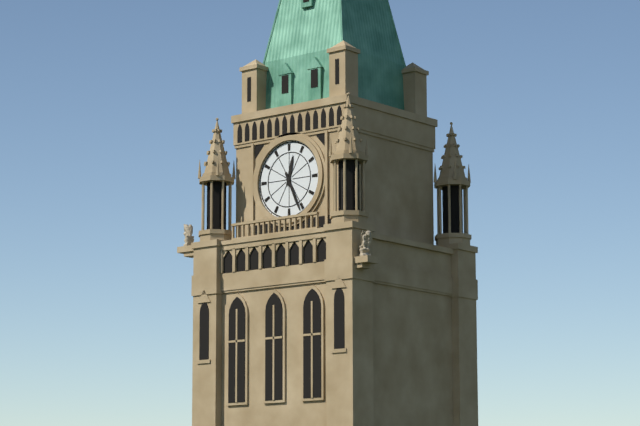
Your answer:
h=12 m=26
